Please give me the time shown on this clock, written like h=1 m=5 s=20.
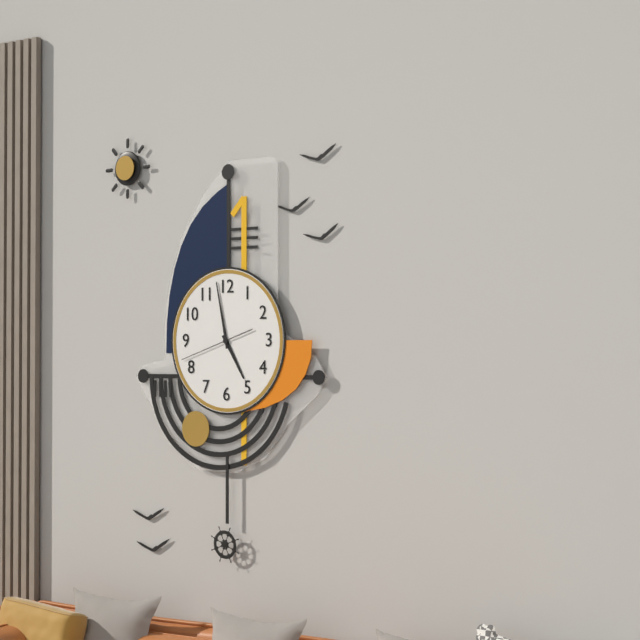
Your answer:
h=4 m=58 s=42
